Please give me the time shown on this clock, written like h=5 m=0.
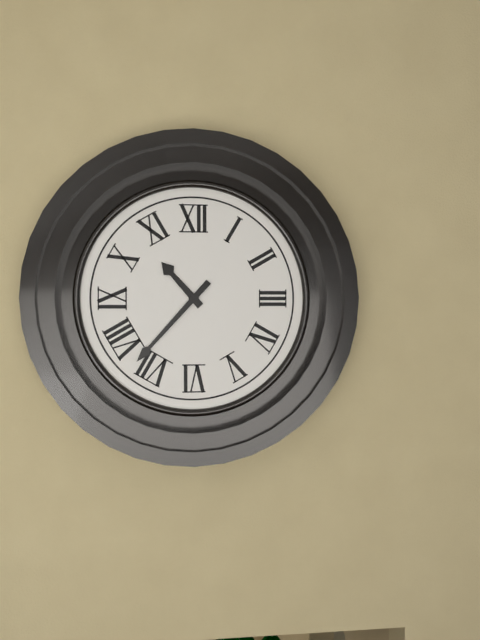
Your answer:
h=10 m=37
